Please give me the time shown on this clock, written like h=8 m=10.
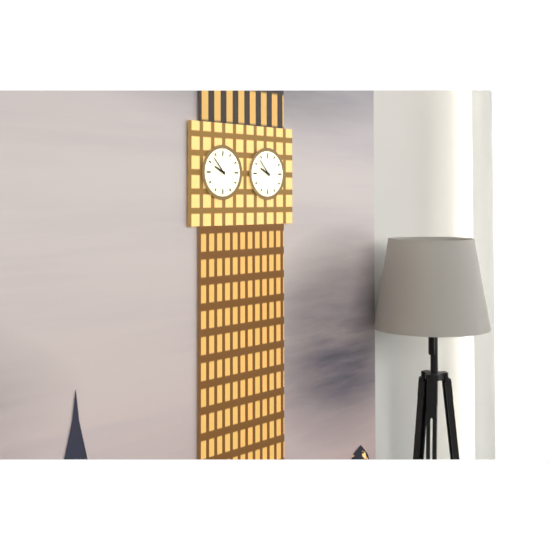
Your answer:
h=9 m=53
